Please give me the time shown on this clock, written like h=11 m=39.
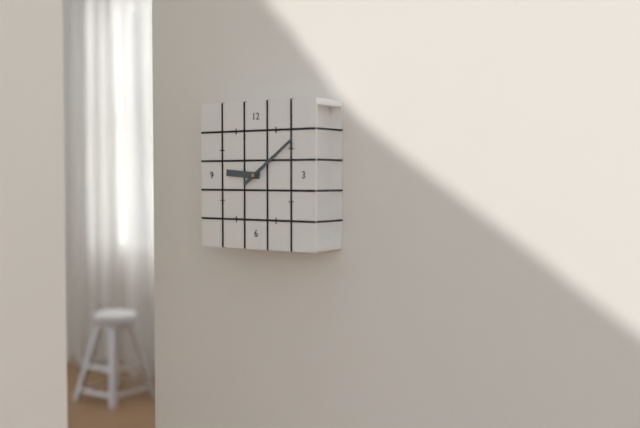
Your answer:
h=9 m=9
